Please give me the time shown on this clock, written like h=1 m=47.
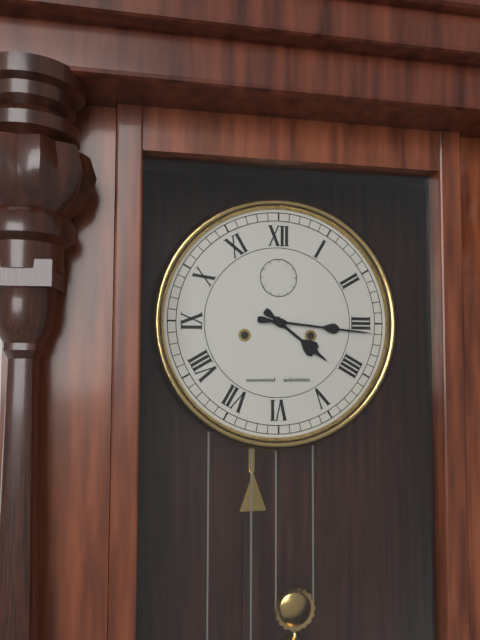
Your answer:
h=4 m=16
